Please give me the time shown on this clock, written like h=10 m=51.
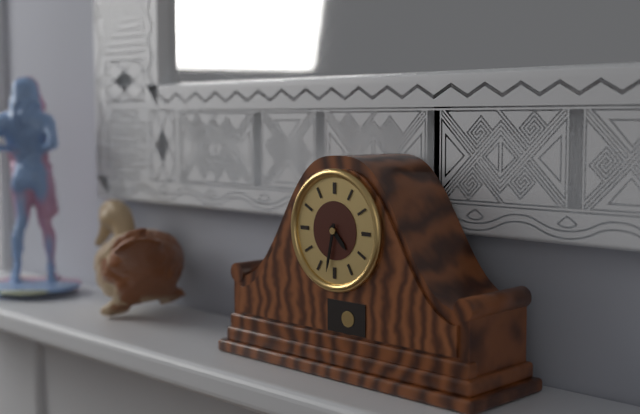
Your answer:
h=4 m=32
